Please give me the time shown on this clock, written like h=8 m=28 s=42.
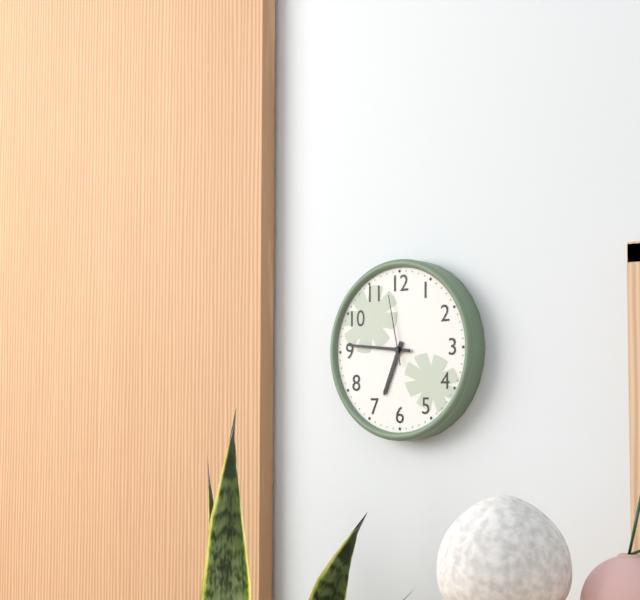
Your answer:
h=6 m=46 s=58
